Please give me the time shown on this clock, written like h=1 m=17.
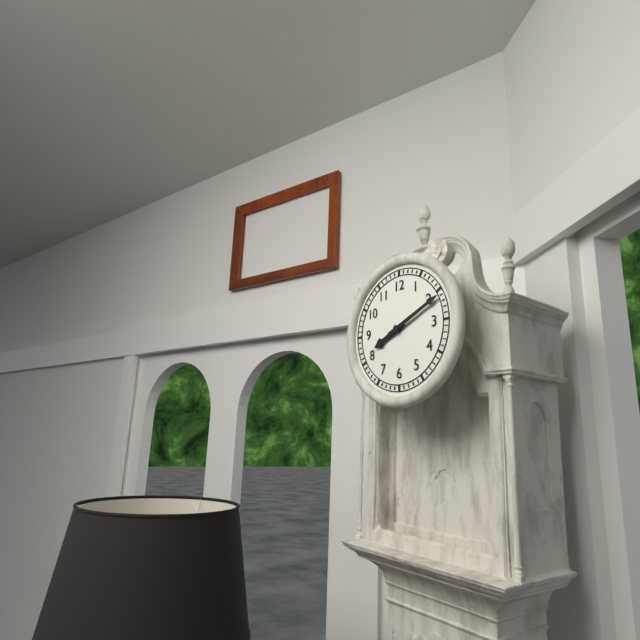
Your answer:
h=8 m=11
